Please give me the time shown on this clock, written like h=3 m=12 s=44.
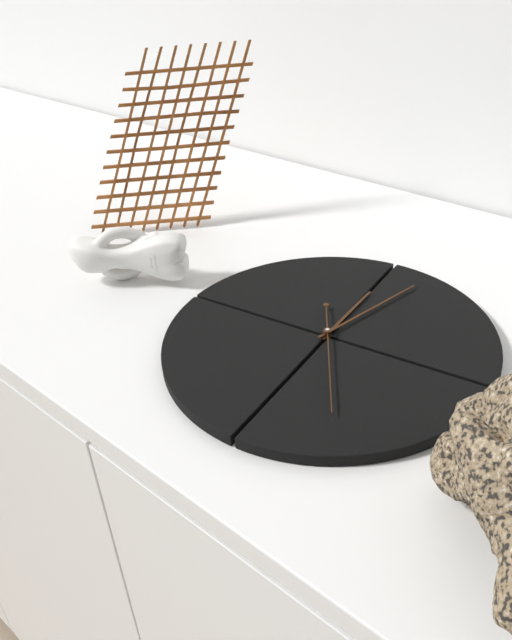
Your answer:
h=12 m=3 s=25
